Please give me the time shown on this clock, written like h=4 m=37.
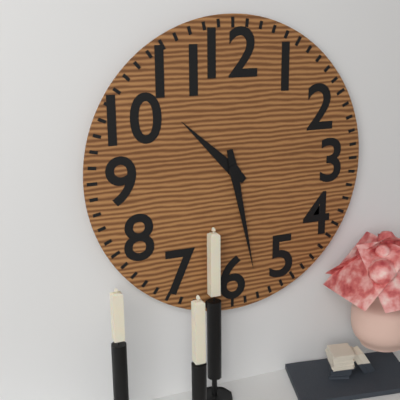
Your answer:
h=10 m=28
